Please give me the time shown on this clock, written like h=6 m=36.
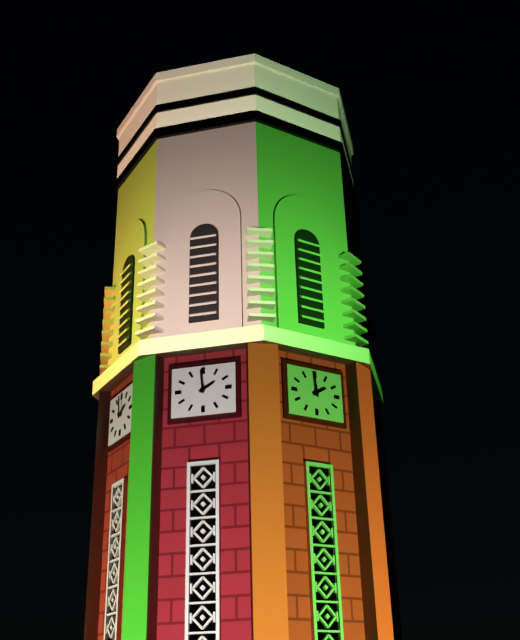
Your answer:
h=1 m=59
